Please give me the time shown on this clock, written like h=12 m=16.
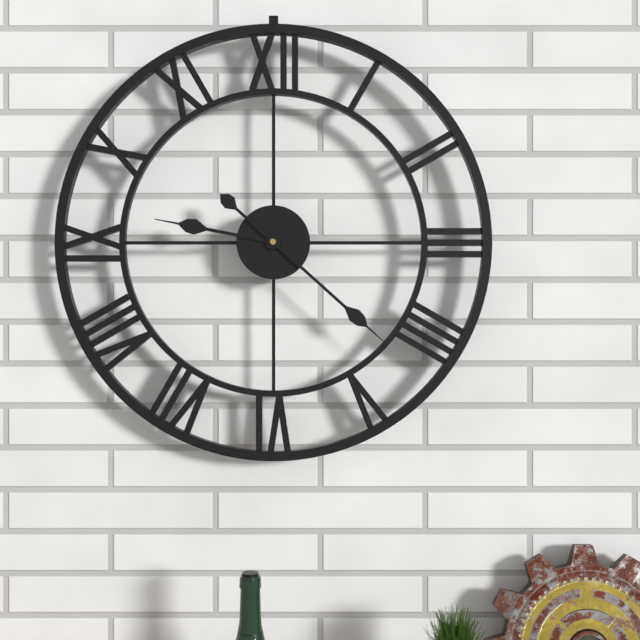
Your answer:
h=9 m=22
